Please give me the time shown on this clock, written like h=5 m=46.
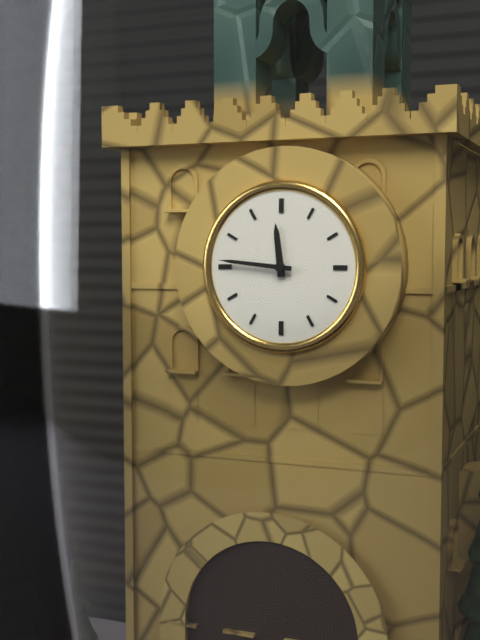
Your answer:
h=11 m=46
